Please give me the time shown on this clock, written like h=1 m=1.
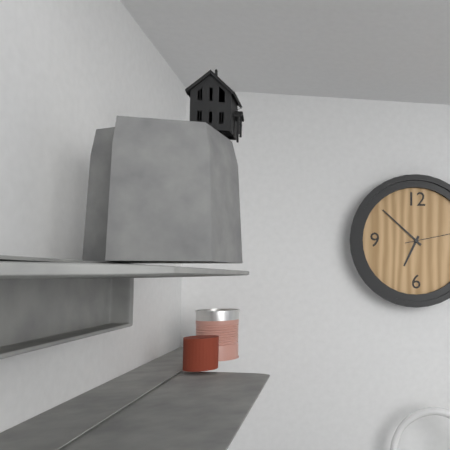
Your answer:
h=6 m=52
